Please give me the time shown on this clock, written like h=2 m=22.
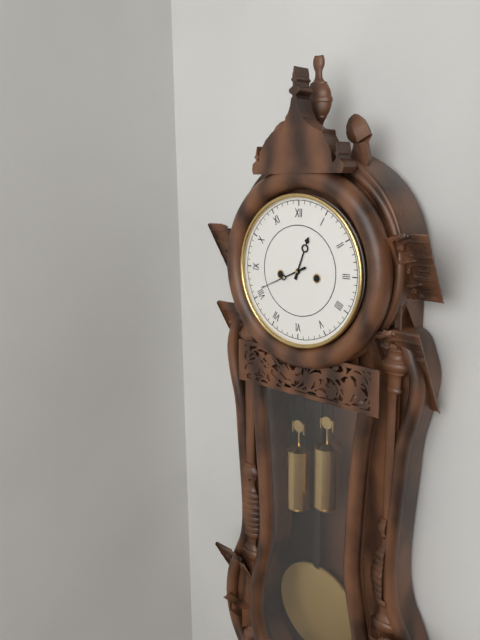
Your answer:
h=12 m=41
